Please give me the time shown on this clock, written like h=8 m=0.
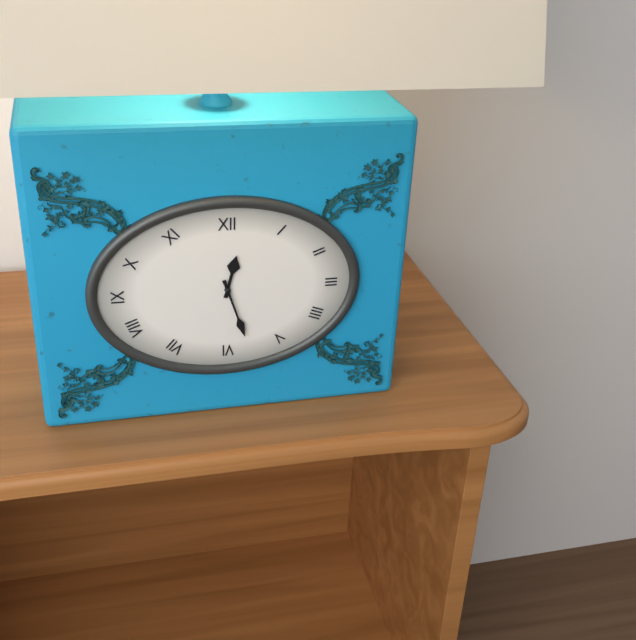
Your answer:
h=12 m=27
